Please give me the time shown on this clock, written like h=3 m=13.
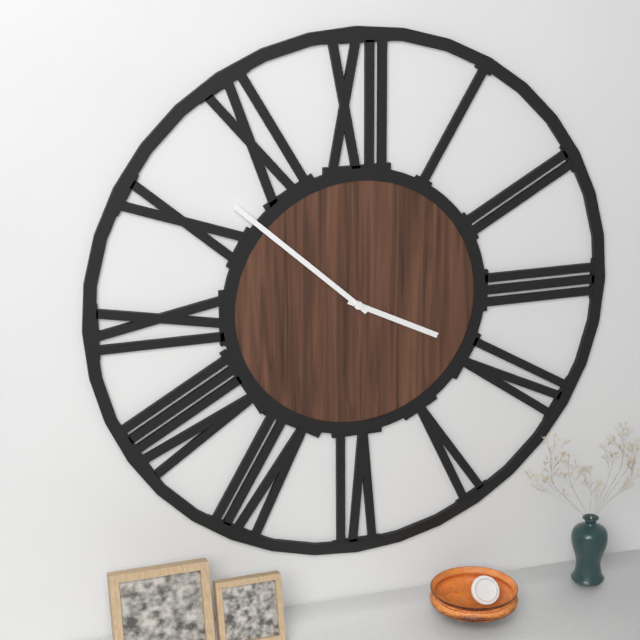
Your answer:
h=3 m=52
